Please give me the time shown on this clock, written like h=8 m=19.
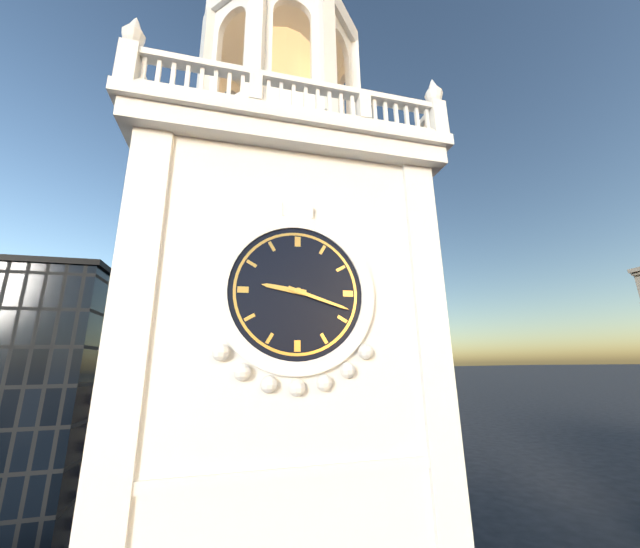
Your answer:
h=9 m=18
